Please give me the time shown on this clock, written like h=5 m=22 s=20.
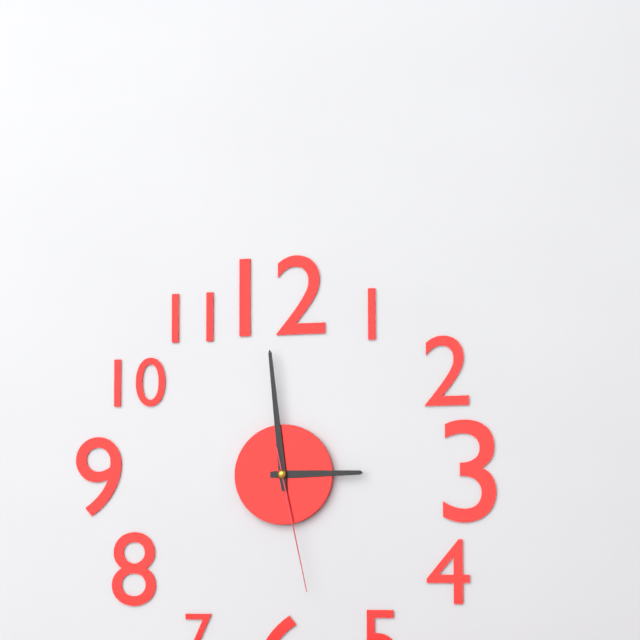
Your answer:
h=2 m=59 s=28
